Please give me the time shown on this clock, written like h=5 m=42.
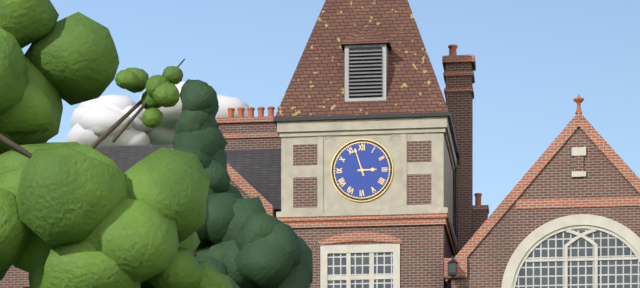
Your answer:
h=2 m=57
